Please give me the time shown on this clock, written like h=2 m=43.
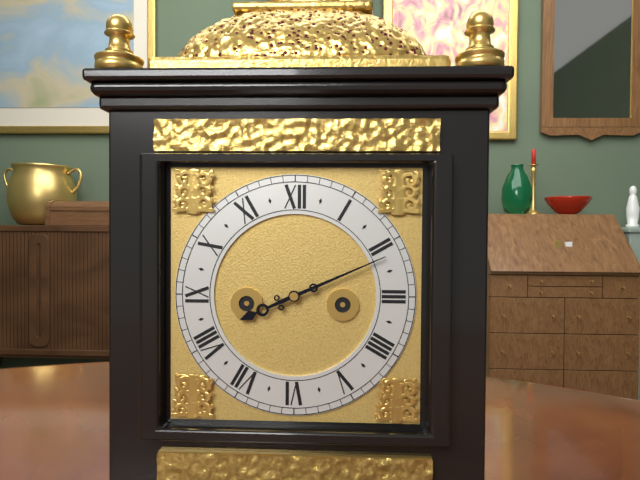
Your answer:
h=8 m=11
